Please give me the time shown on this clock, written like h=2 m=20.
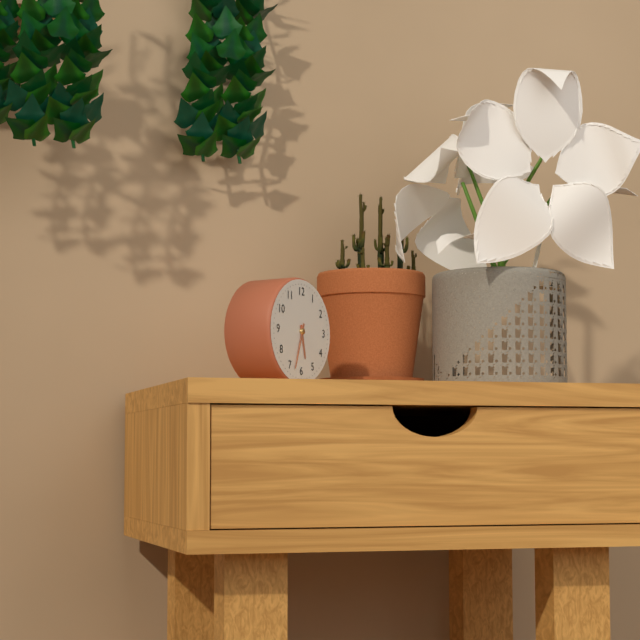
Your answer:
h=5 m=33
